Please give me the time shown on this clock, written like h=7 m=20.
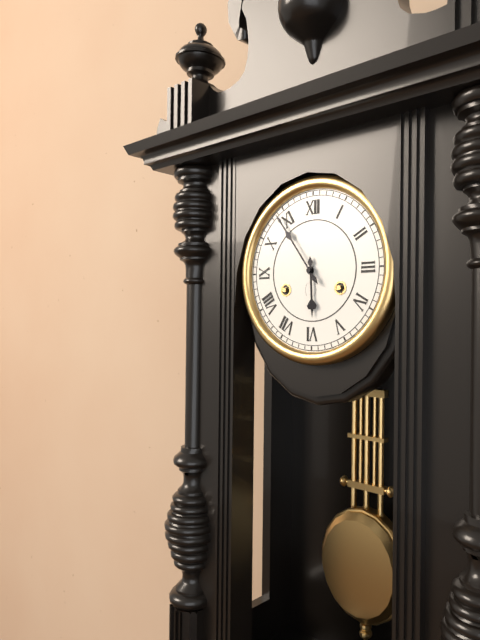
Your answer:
h=5 m=54
